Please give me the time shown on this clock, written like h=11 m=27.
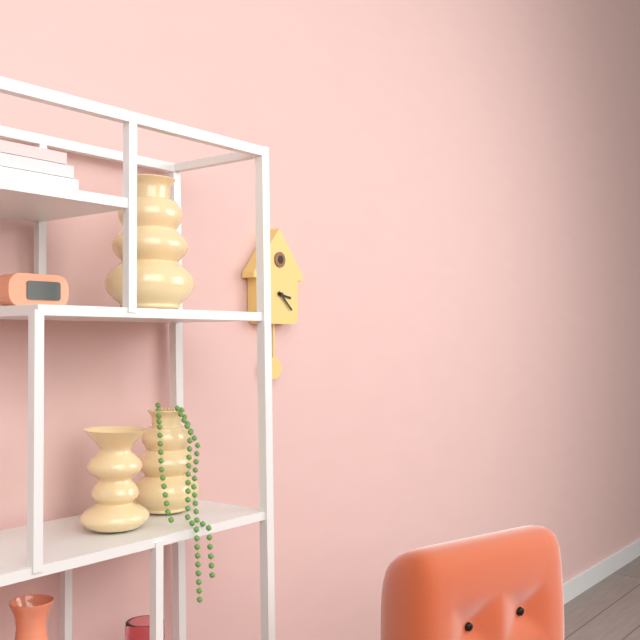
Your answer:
h=3 m=22
